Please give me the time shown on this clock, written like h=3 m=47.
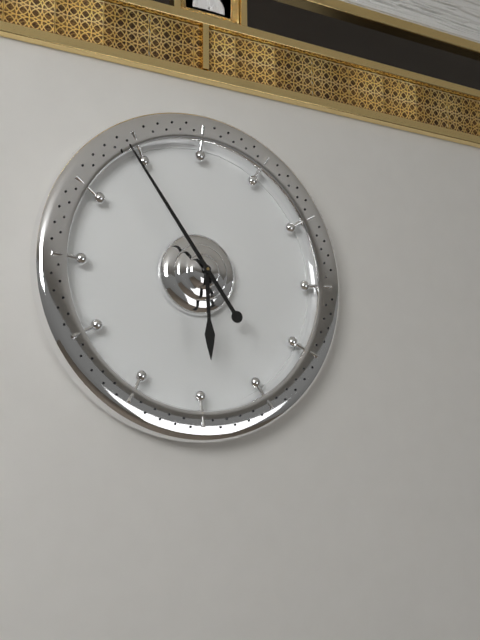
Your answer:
h=5 m=54
